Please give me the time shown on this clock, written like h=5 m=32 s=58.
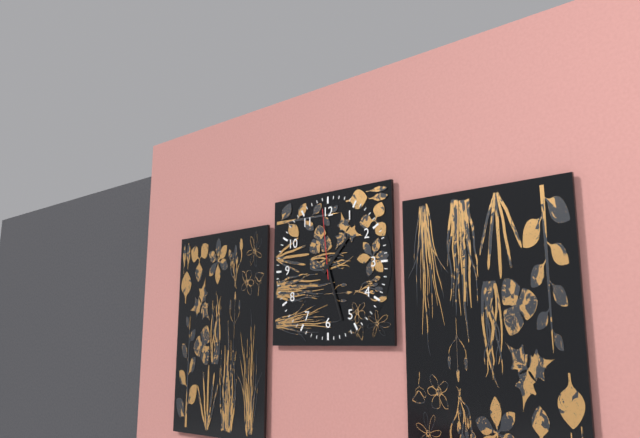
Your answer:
h=1 m=27 s=59
